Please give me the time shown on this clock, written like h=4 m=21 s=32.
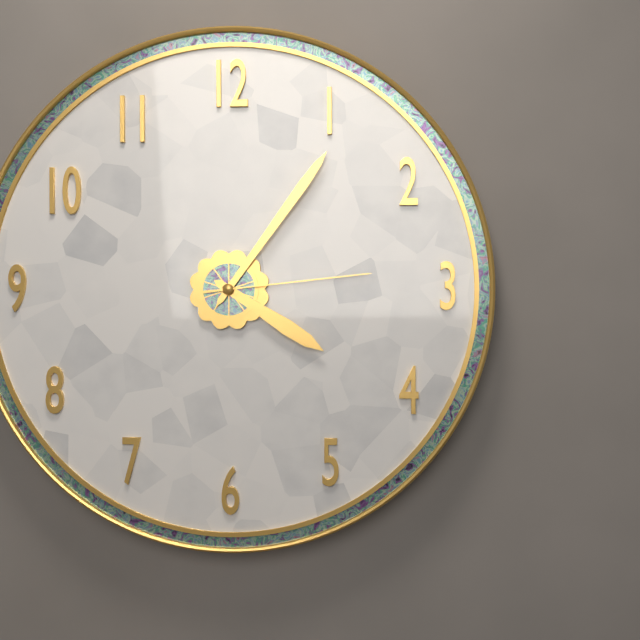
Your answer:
h=4 m=6 s=14
